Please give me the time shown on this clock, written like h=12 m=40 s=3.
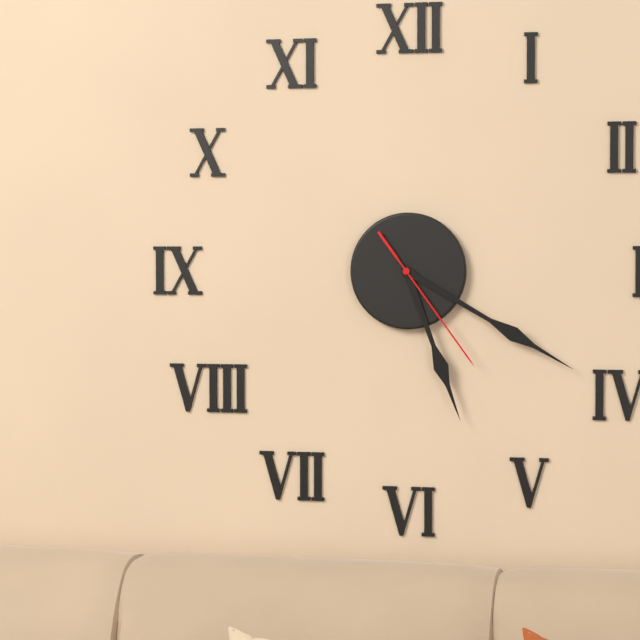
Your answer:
h=5 m=20 s=24
